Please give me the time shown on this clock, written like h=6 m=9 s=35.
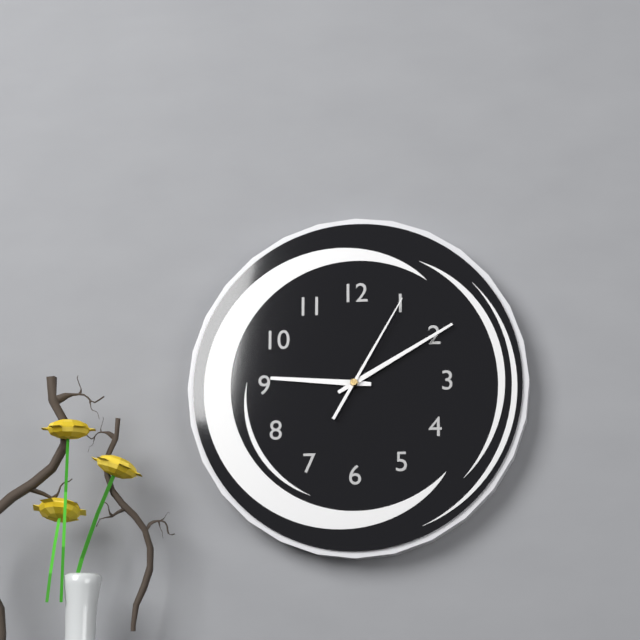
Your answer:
h=9 m=10 s=5
